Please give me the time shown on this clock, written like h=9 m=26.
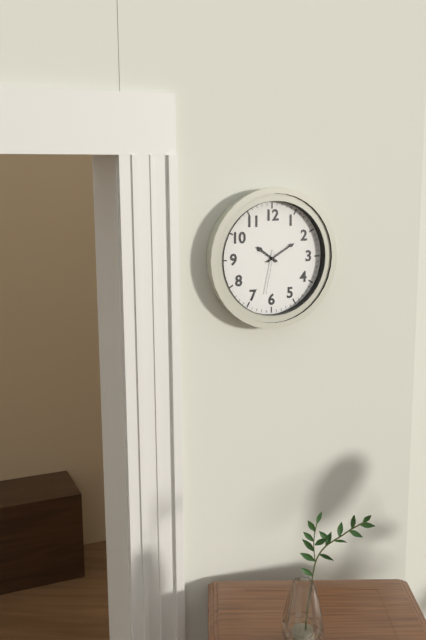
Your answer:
h=10 m=10
